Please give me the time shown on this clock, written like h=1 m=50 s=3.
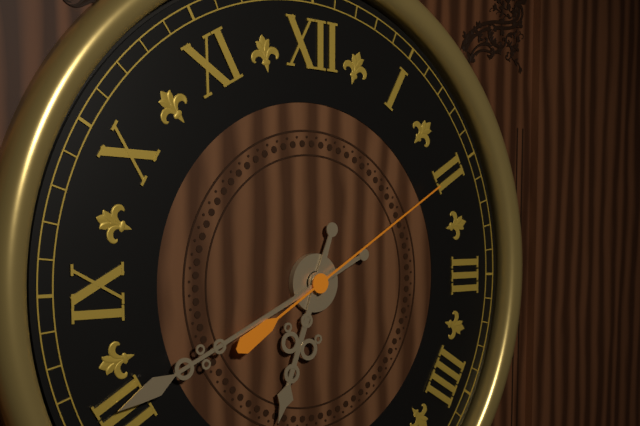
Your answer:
h=6 m=41 s=10
